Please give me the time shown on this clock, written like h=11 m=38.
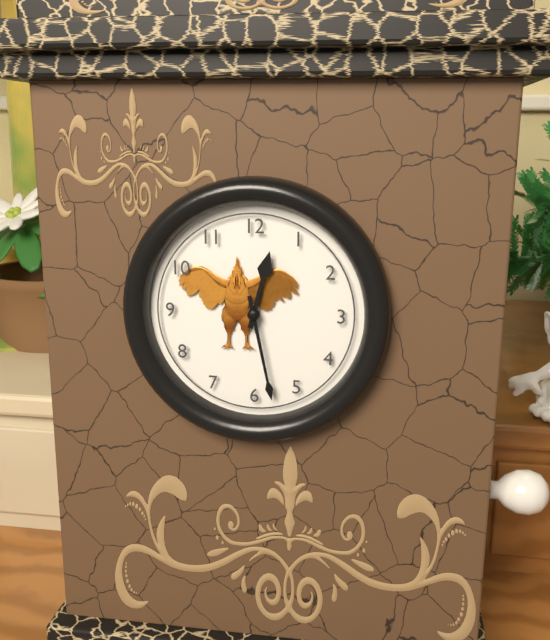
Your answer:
h=12 m=28
